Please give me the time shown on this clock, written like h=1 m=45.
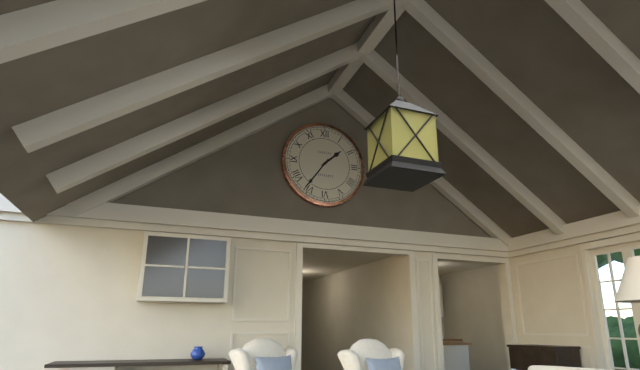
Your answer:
h=1 m=36
